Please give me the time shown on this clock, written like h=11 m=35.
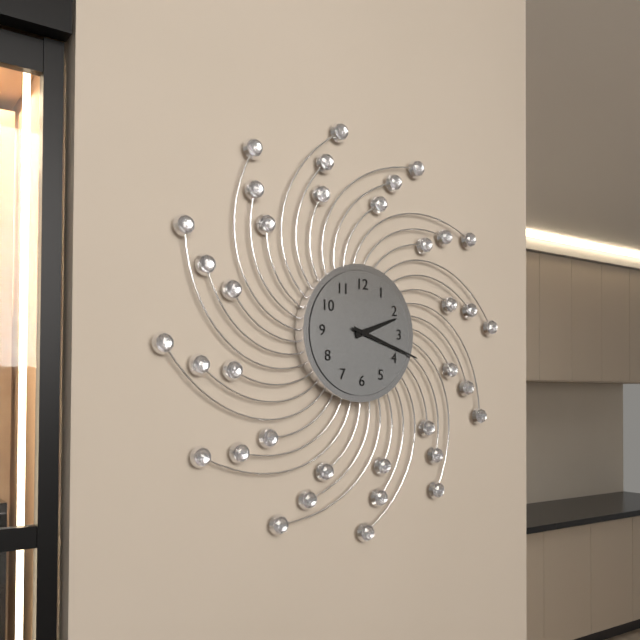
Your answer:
h=2 m=18
